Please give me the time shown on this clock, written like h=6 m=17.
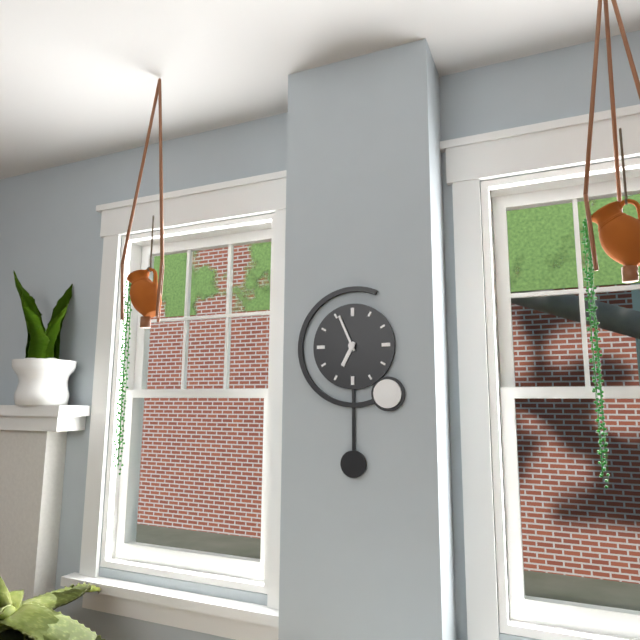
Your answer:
h=6 m=56
